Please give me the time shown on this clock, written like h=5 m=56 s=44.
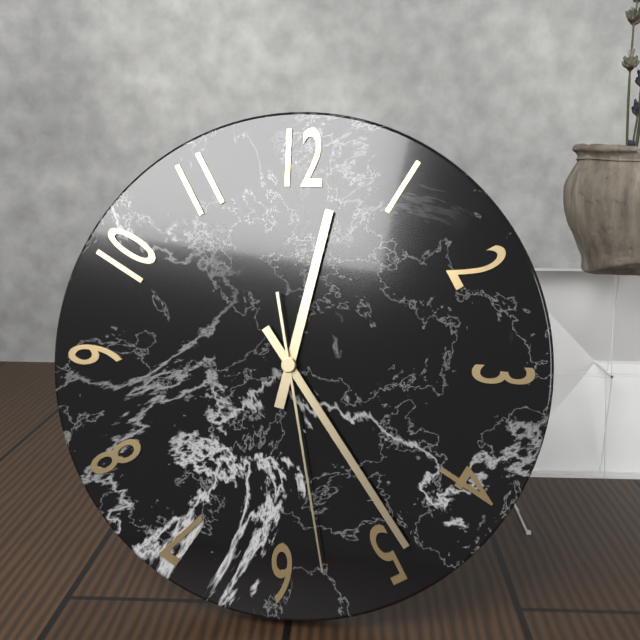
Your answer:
h=12 m=24 s=28
